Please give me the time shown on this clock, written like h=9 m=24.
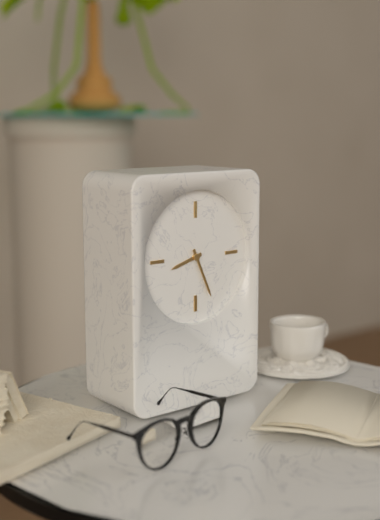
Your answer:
h=8 m=26
